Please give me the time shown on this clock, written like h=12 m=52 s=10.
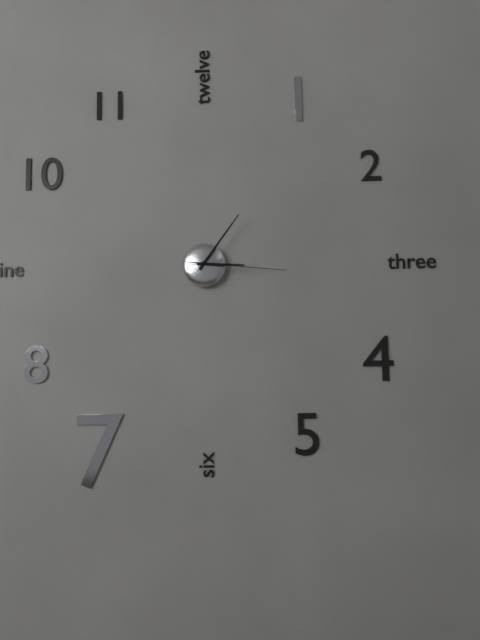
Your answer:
h=3 m=6 s=16
